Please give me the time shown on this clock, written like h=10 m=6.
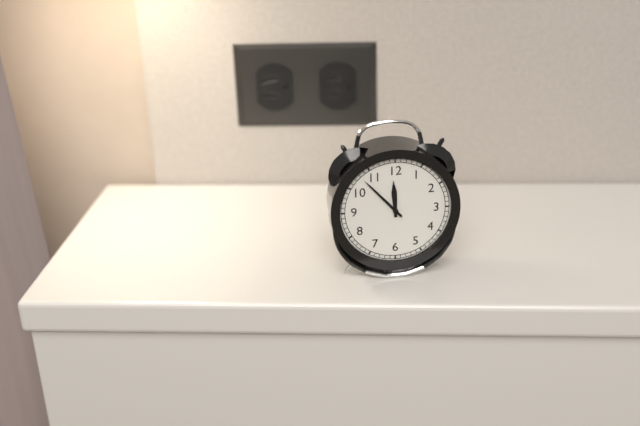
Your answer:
h=11 m=53
